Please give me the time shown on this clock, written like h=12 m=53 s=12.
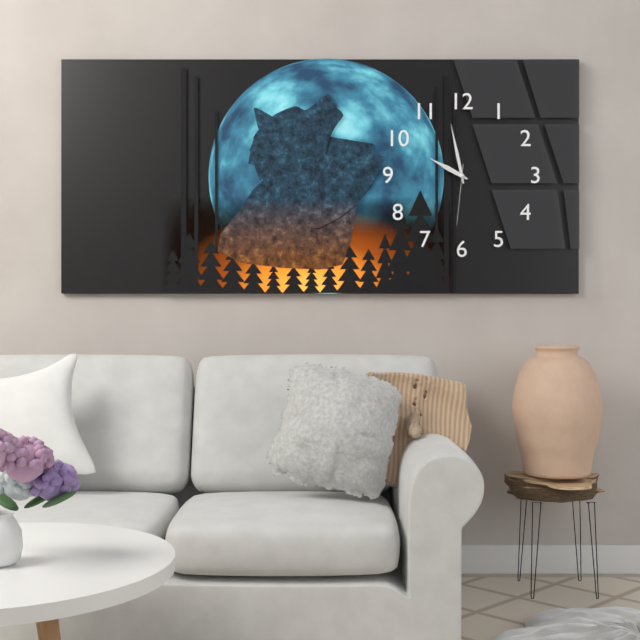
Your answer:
h=9 m=58 s=31
